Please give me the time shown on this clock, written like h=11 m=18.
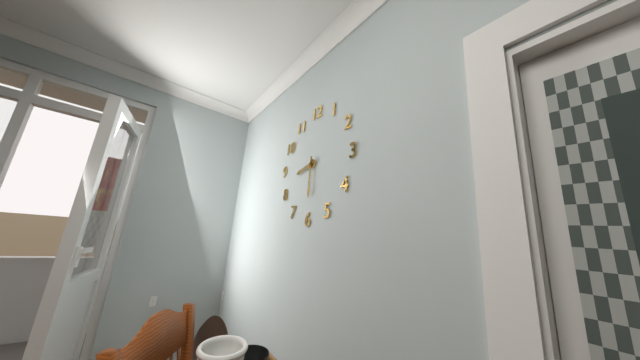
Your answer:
h=8 m=30
